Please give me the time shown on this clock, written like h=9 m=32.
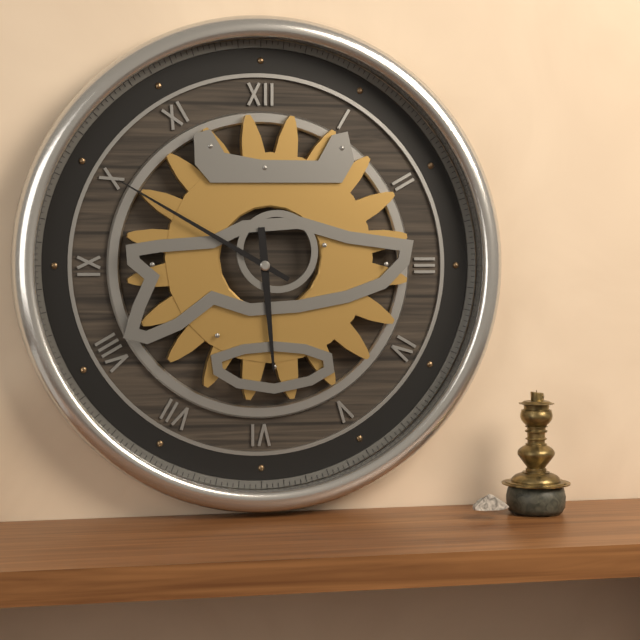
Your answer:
h=5 m=50
